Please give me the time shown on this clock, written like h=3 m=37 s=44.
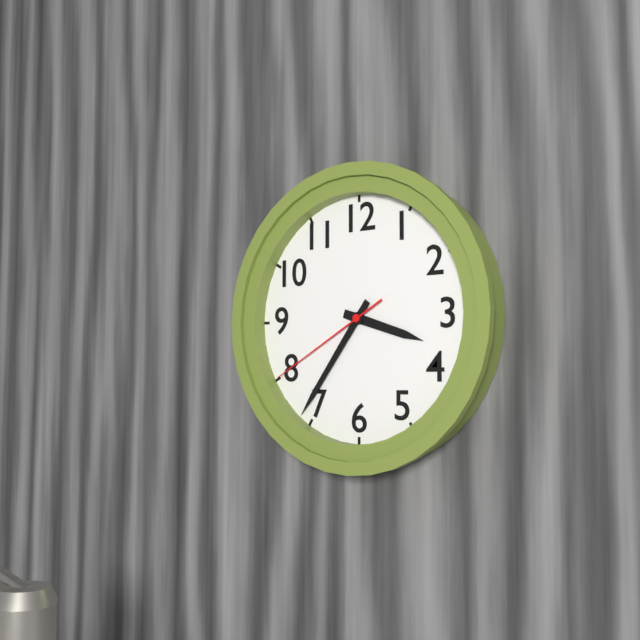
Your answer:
h=3 m=36 s=40
